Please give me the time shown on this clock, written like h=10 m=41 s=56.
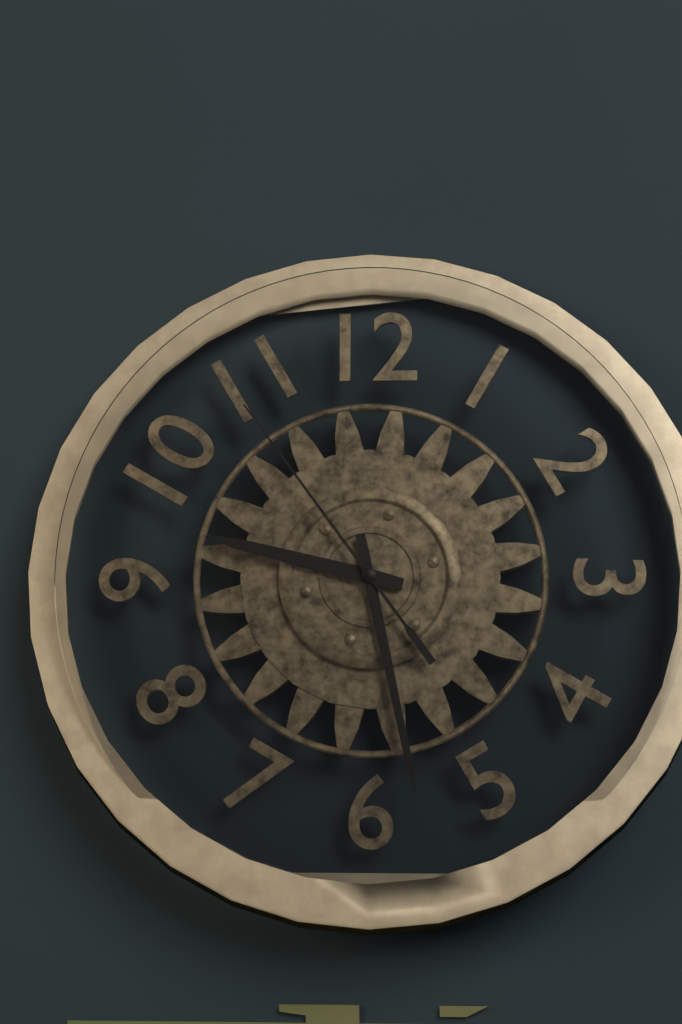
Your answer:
h=9 m=28 s=54
